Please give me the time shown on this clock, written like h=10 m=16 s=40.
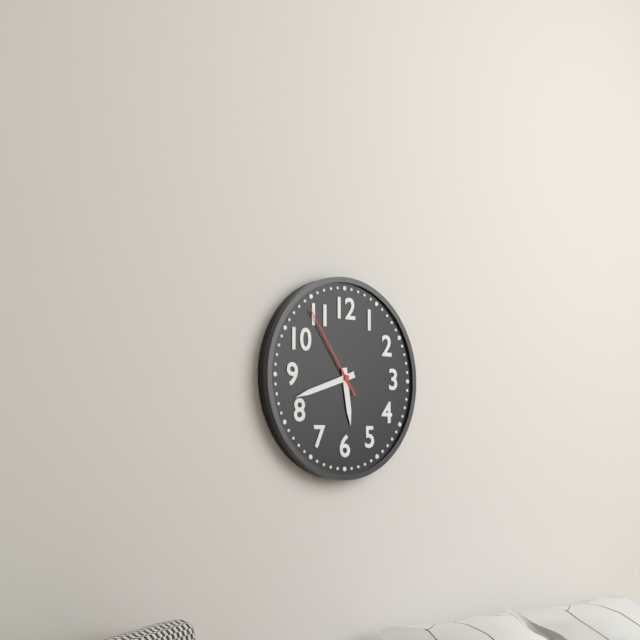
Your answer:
h=5 m=42 s=54
